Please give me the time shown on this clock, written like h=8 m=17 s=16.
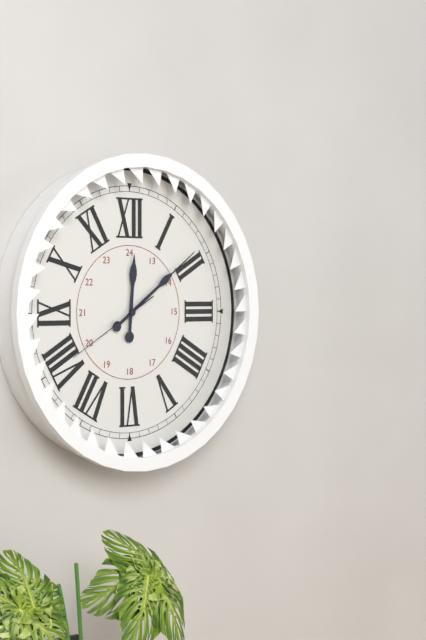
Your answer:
h=12 m=9 s=40
